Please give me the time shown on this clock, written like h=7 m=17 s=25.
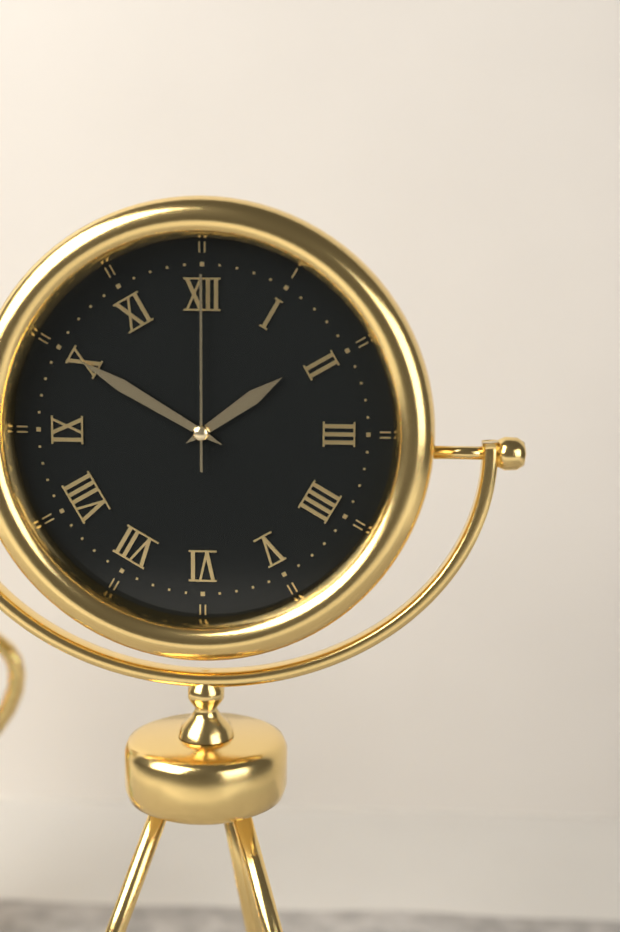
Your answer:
h=1 m=50 s=0
